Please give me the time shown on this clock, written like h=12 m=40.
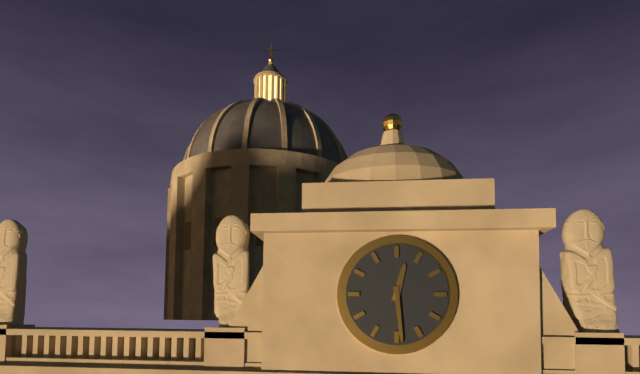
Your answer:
h=12 m=29
